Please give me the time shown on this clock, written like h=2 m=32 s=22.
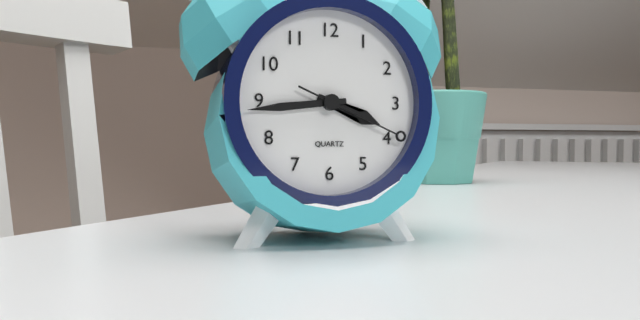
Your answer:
h=3 m=44 s=19
